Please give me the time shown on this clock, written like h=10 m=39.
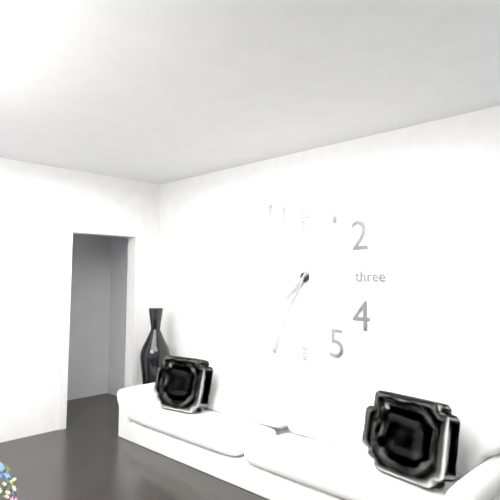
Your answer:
h=7 m=35
